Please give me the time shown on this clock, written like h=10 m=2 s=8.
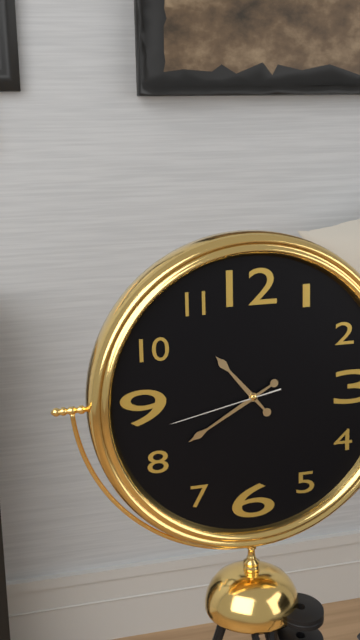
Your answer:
h=10 m=40 s=43
